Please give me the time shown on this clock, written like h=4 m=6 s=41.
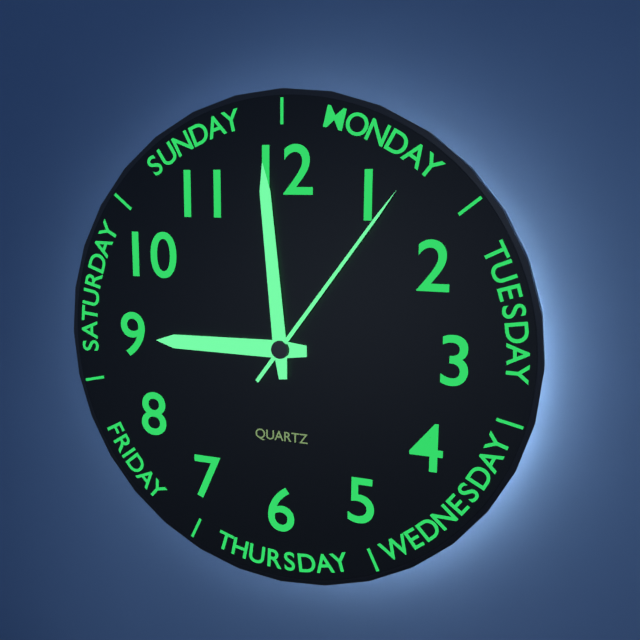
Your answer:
h=8 m=59 s=6
